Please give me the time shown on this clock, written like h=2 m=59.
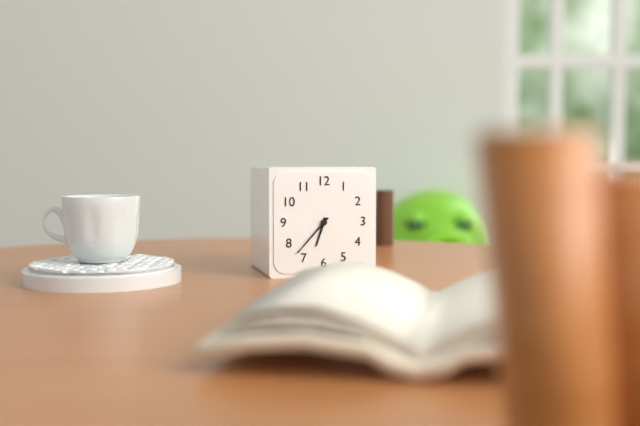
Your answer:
h=6 m=37
